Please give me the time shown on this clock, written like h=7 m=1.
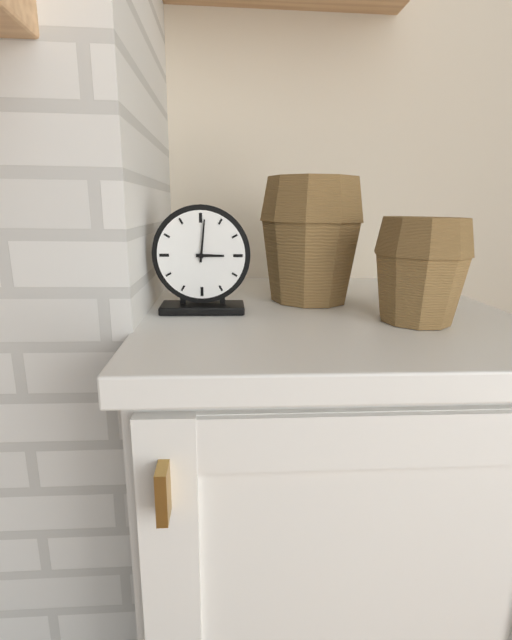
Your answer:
h=3 m=1
